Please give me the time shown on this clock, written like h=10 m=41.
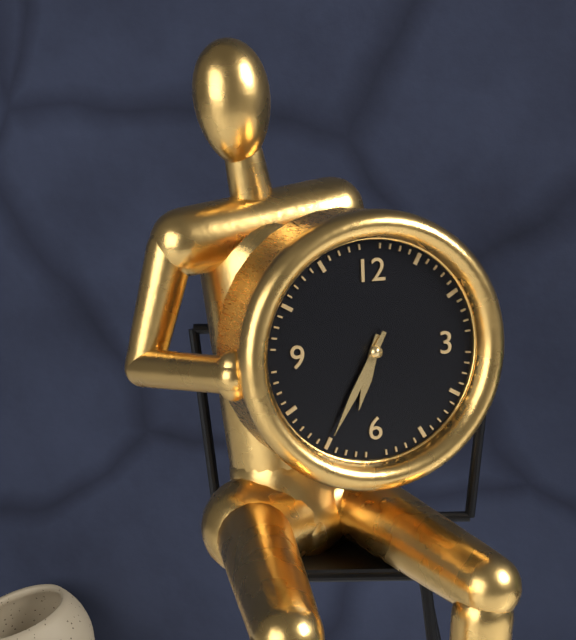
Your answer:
h=6 m=35
